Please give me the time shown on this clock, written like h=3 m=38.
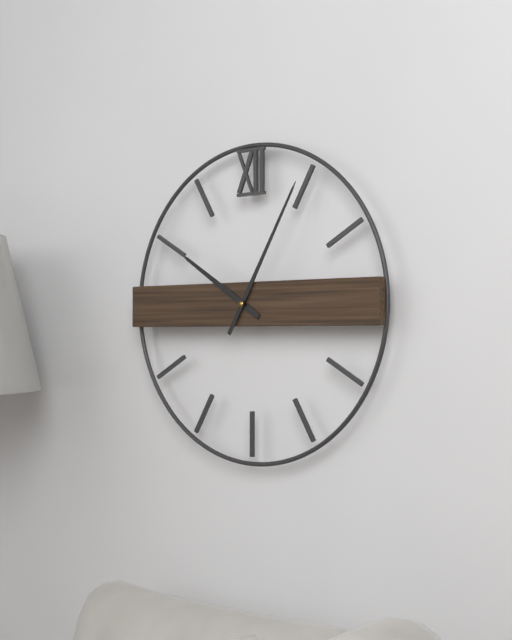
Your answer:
h=10 m=5
